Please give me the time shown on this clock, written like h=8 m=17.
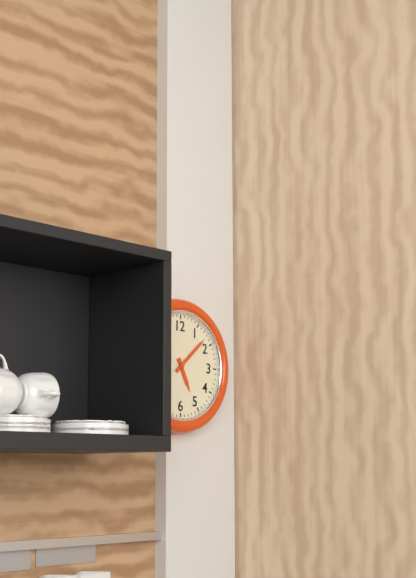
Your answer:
h=5 m=8
